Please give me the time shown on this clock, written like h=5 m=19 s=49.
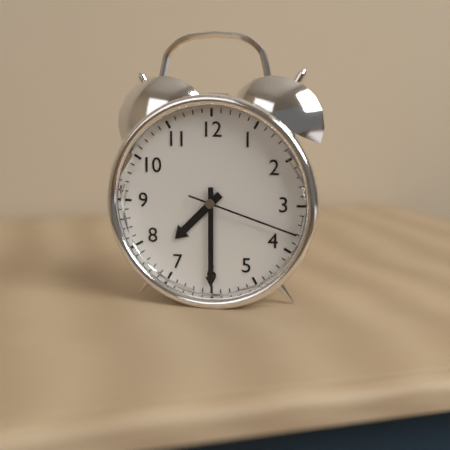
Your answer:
h=7 m=30 s=18
